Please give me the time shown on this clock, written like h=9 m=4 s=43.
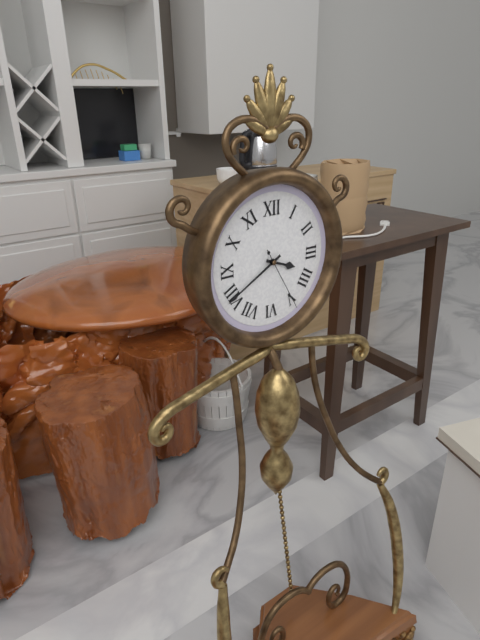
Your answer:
h=3 m=40 s=25
